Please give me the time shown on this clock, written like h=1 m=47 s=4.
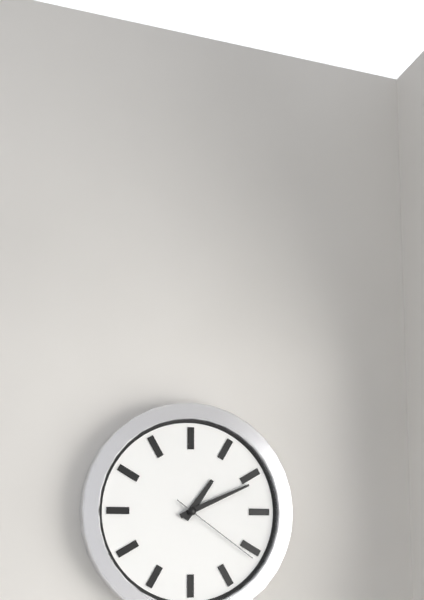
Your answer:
h=1 m=11 s=21
